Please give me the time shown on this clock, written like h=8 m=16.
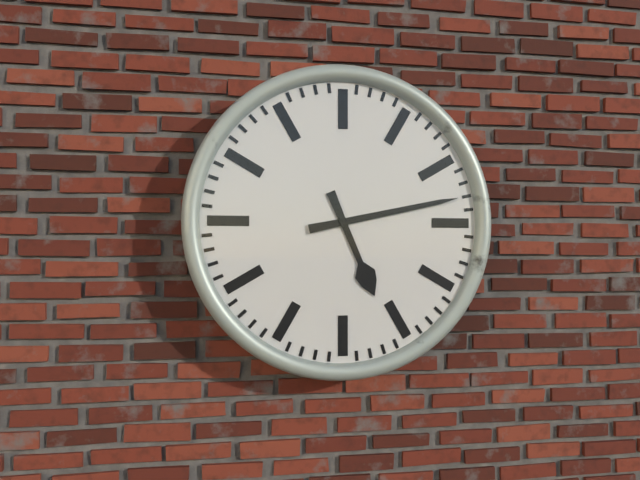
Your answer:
h=5 m=13
